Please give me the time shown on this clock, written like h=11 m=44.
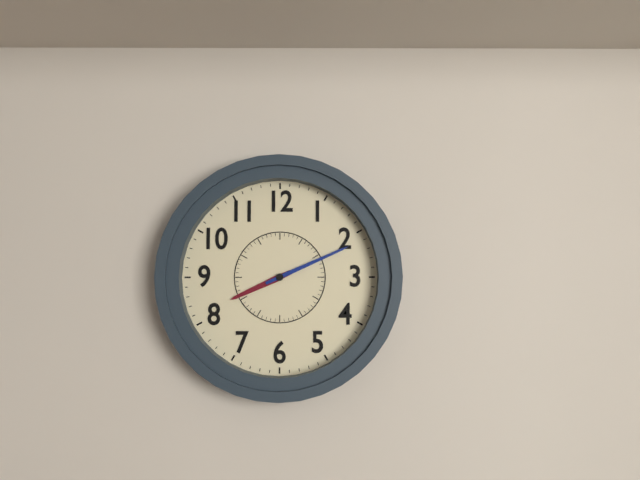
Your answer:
h=8 m=11
